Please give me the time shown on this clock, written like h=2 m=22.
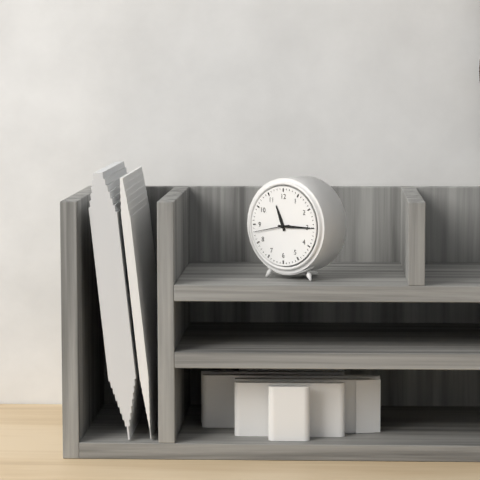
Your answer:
h=11 m=15
